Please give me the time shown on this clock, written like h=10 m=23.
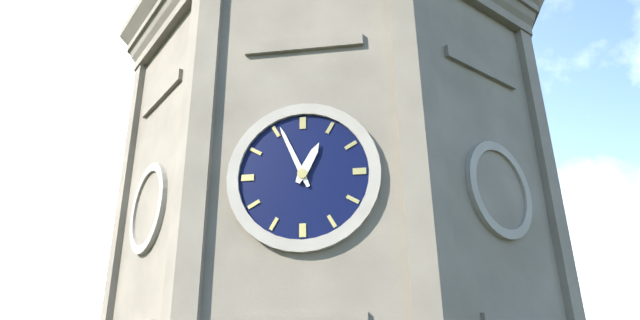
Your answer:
h=12 m=56
